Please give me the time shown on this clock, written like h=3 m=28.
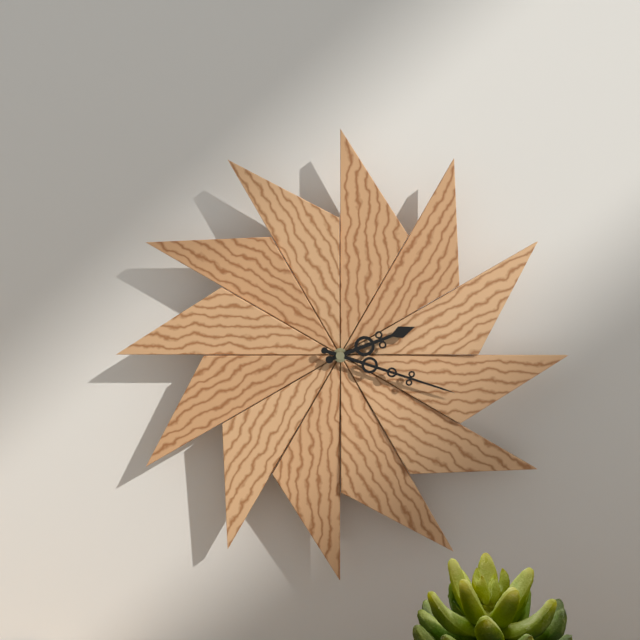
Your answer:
h=2 m=18
